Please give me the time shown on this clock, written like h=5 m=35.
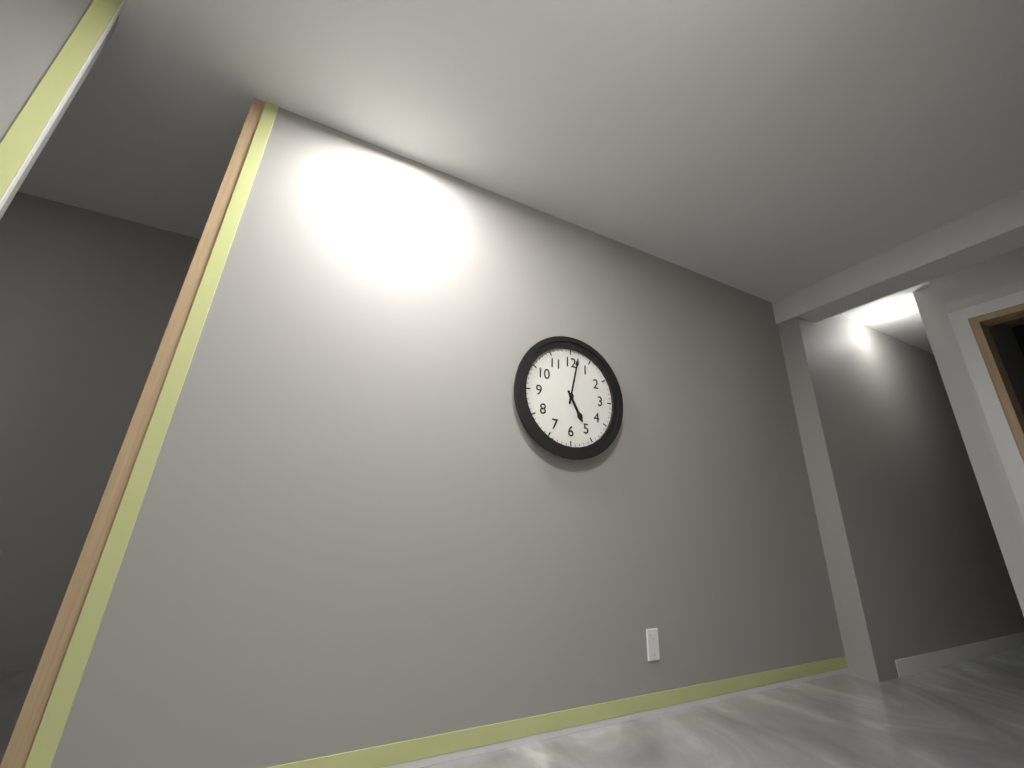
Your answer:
h=5 m=2
